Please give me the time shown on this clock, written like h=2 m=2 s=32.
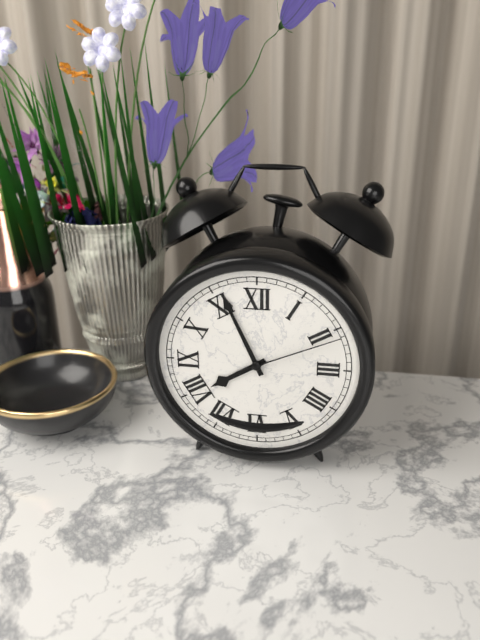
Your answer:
h=7 m=56 s=11
